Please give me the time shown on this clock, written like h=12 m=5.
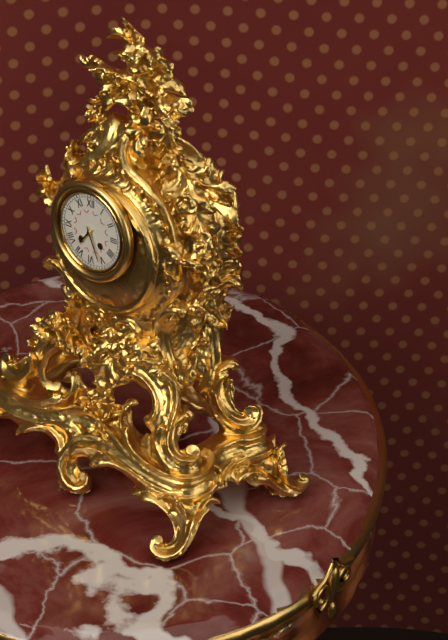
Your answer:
h=7 m=26
